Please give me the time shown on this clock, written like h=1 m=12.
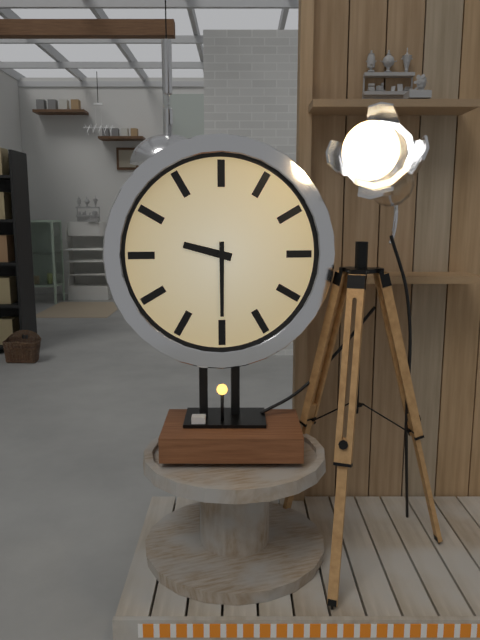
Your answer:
h=9 m=30
